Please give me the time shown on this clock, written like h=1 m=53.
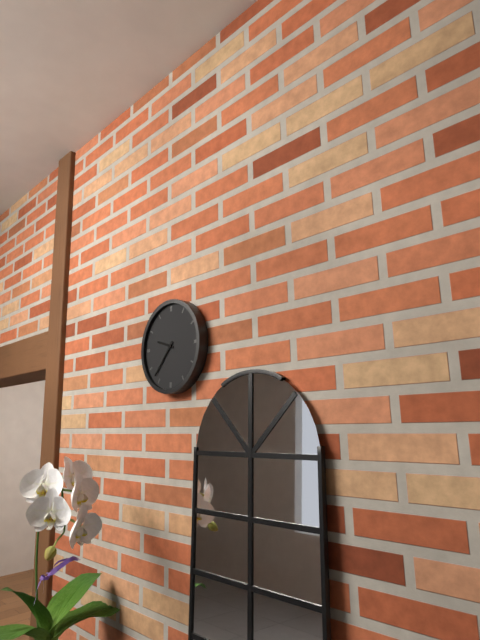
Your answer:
h=9 m=37
